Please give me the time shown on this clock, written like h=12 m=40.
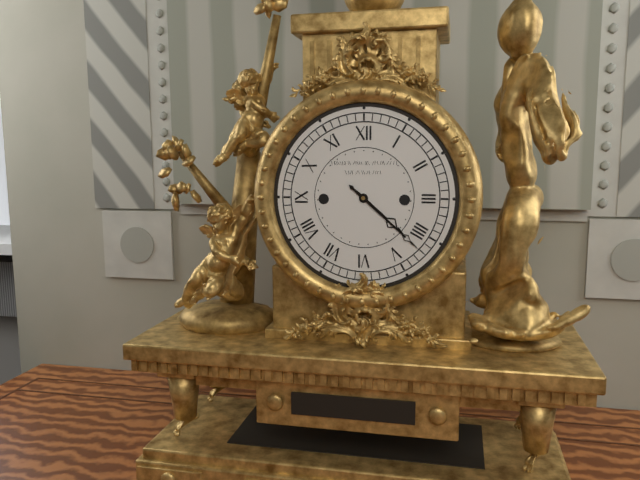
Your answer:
h=4 m=22
